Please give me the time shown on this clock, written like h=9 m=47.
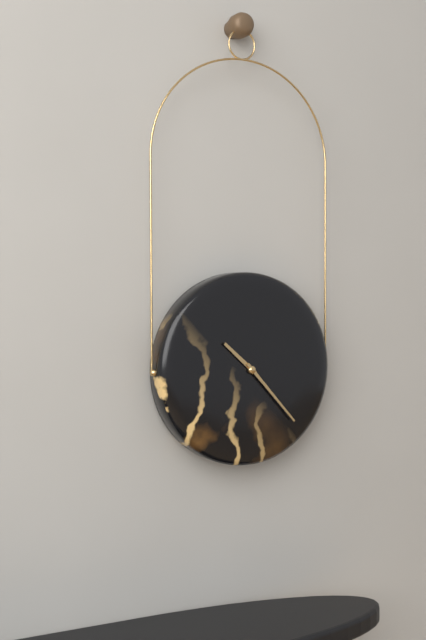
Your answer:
h=10 m=23
